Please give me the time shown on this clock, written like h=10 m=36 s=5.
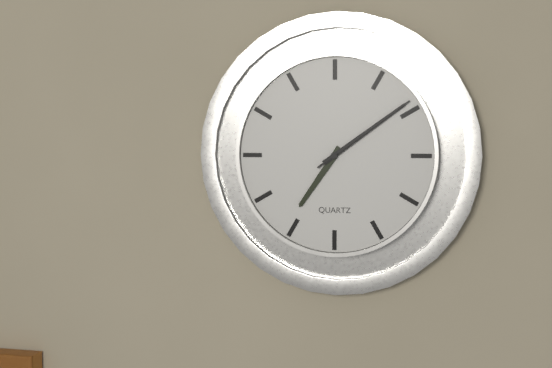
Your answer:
h=7 m=9 s=9
